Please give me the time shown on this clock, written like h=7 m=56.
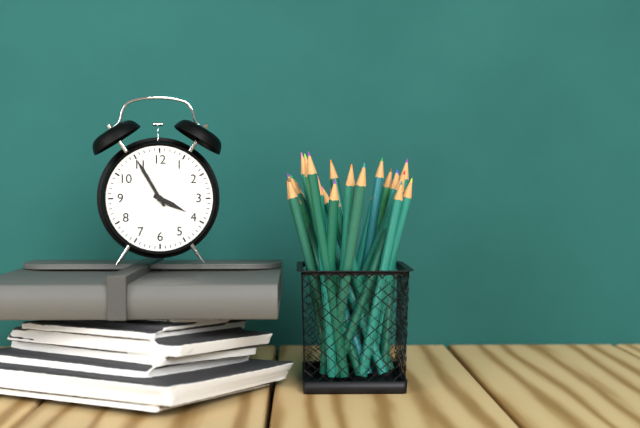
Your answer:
h=3 m=55
